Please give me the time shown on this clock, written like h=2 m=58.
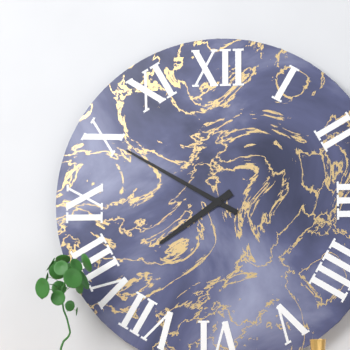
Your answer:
h=7 m=50
